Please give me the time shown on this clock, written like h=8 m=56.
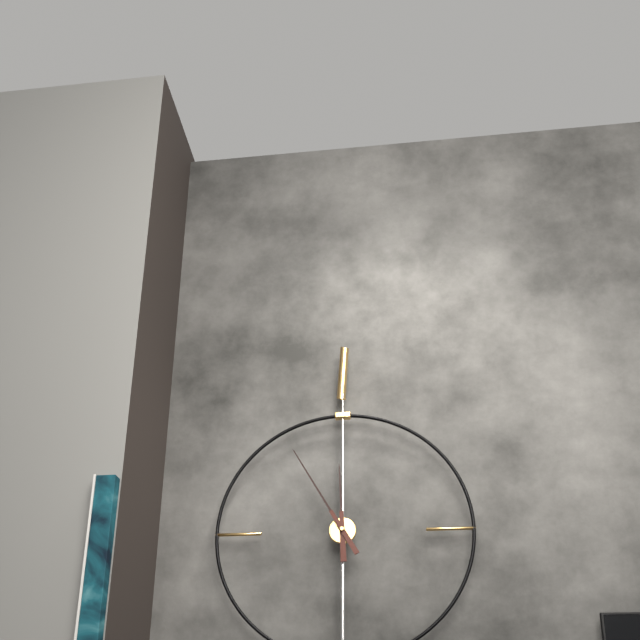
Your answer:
h=11 m=55
